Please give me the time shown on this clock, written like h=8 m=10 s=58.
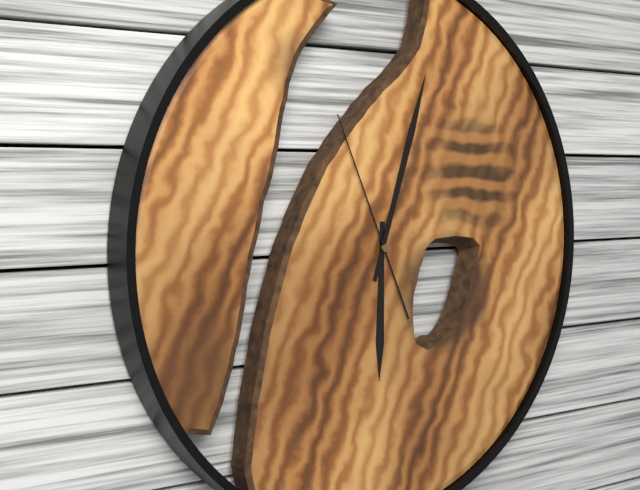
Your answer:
h=6 m=3 s=56
